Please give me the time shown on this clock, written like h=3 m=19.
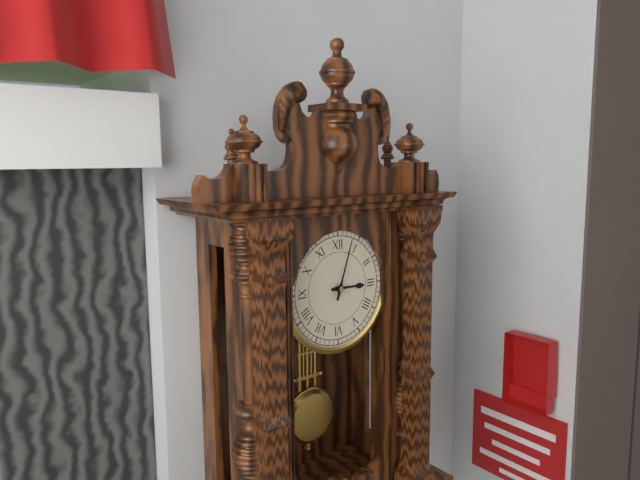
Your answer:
h=3 m=3
